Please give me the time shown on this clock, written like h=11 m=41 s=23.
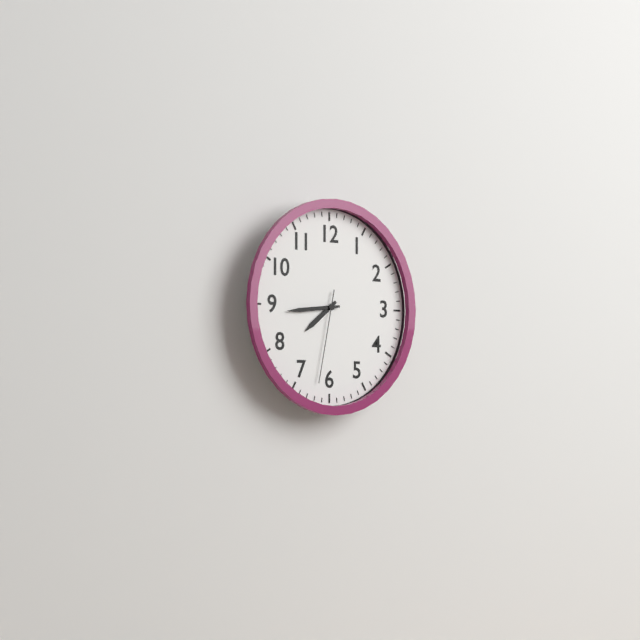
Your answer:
h=7 m=44 s=32
